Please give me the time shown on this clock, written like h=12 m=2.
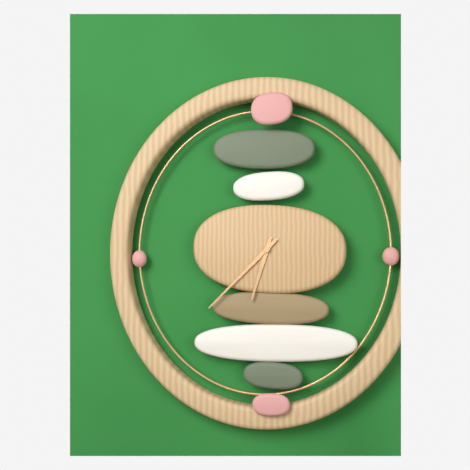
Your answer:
h=6 m=38
